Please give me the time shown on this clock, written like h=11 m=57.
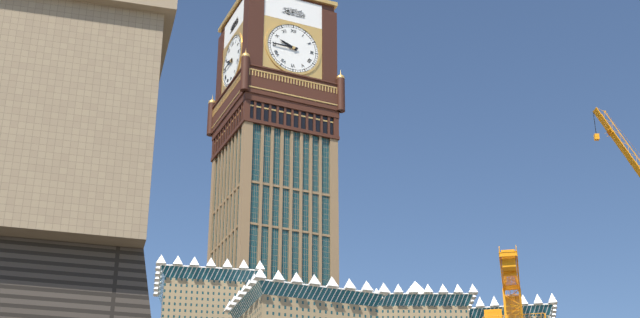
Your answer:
h=9 m=45
